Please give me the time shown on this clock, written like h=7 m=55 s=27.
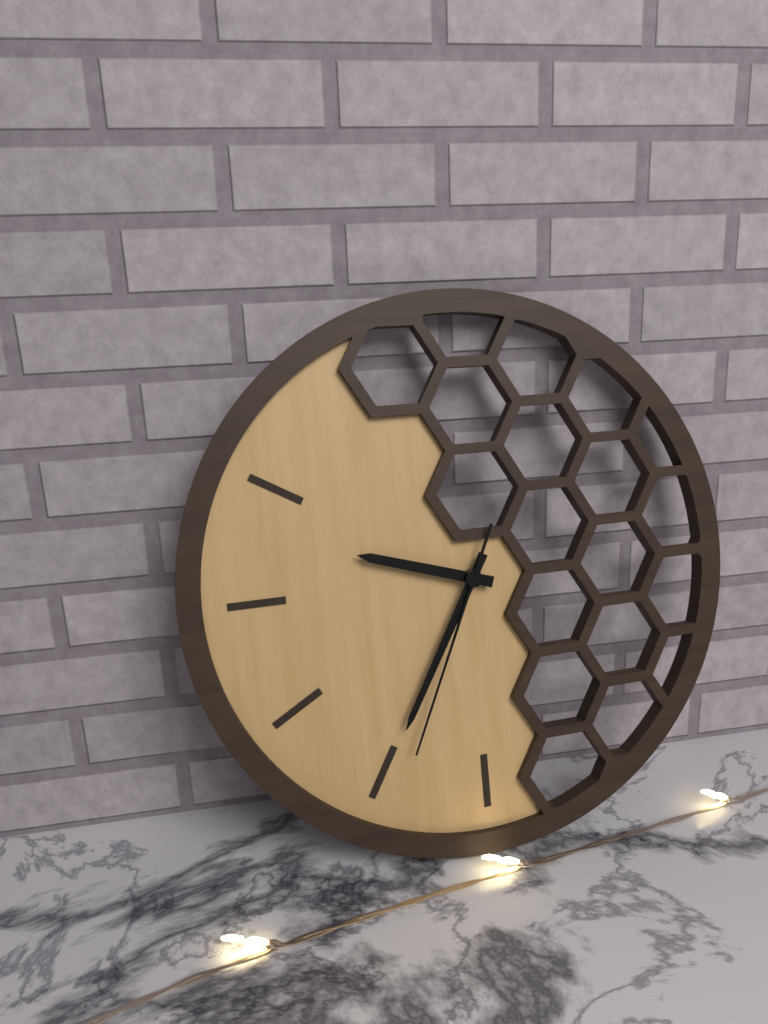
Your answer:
h=9 m=35 s=34
